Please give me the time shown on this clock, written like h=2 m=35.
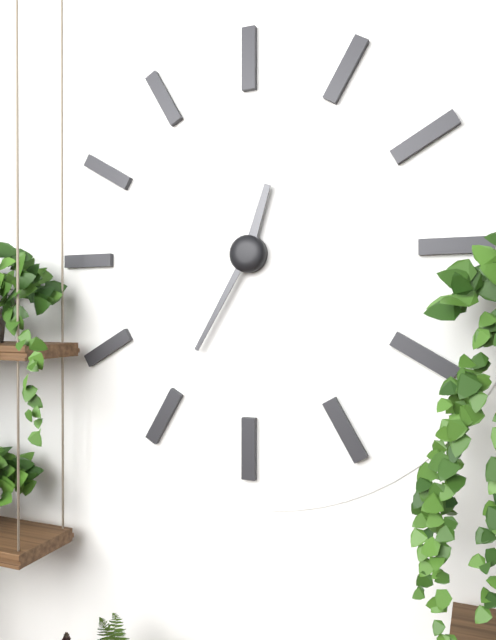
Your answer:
h=12 m=35
